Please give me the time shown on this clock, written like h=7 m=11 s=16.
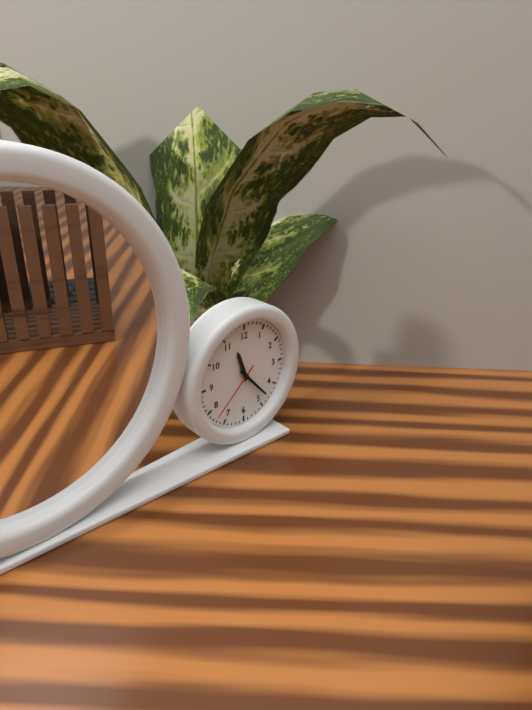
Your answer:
h=11 m=23 s=38
